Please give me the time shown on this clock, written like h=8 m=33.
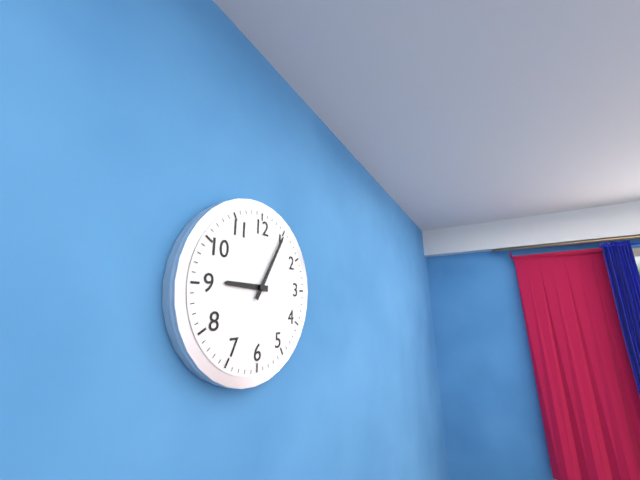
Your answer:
h=9 m=5
